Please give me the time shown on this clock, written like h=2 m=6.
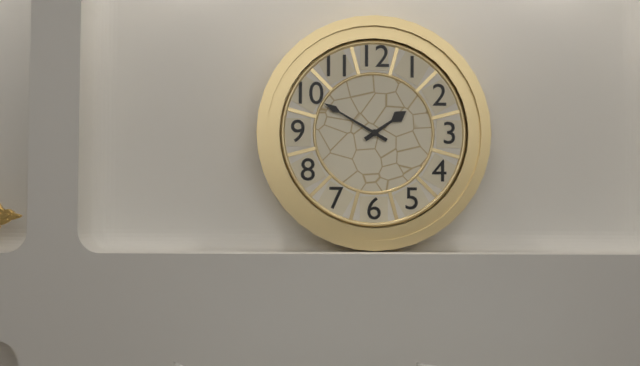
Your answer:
h=1 m=50
